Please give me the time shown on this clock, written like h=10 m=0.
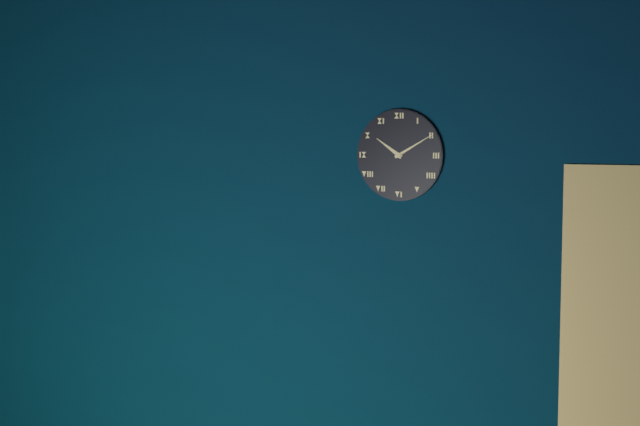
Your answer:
h=10 m=10
